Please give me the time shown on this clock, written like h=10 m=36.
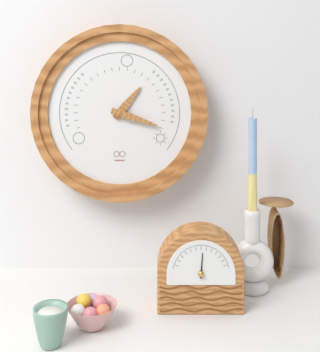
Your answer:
h=1 m=18
